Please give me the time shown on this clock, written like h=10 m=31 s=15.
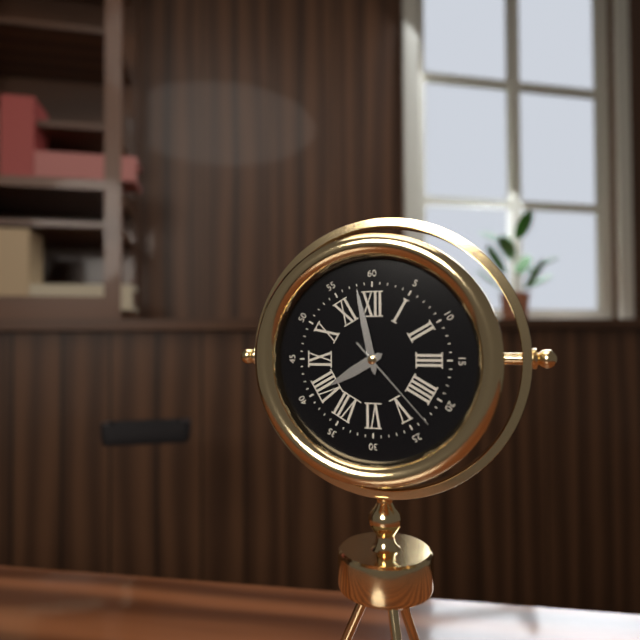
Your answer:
h=7 m=58 s=23
